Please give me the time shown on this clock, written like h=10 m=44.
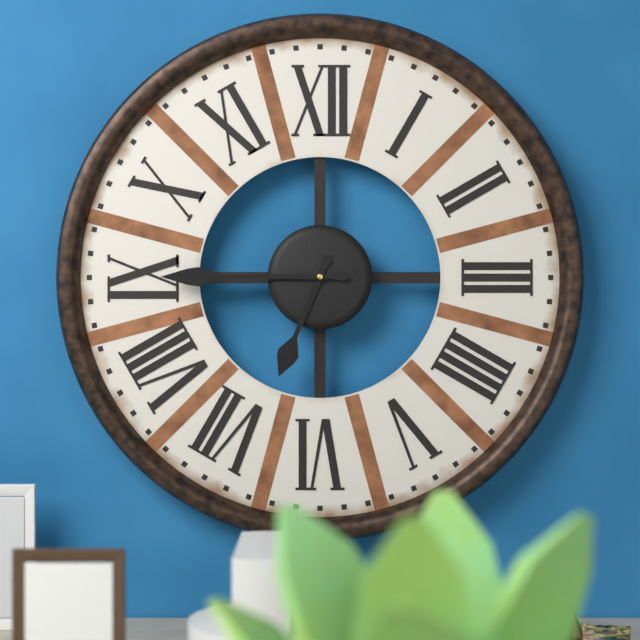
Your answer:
h=6 m=45
